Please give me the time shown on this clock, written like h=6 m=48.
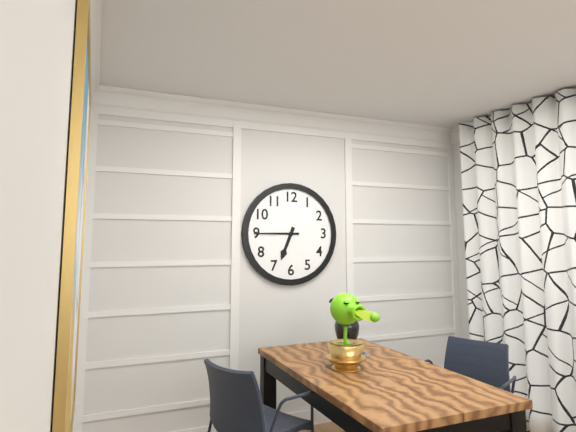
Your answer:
h=6 m=45
